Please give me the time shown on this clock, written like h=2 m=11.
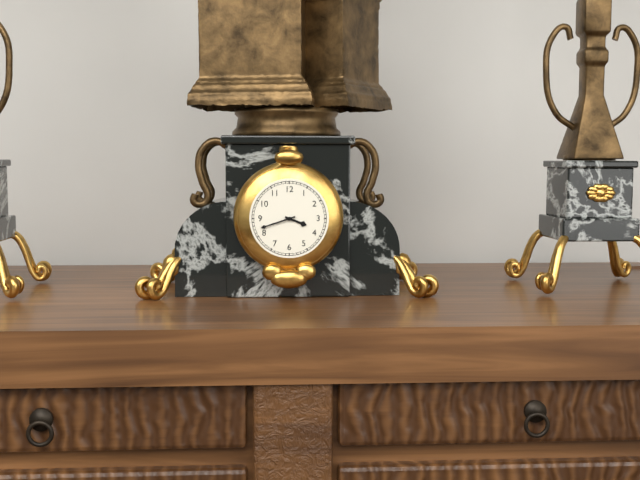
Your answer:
h=3 m=42
